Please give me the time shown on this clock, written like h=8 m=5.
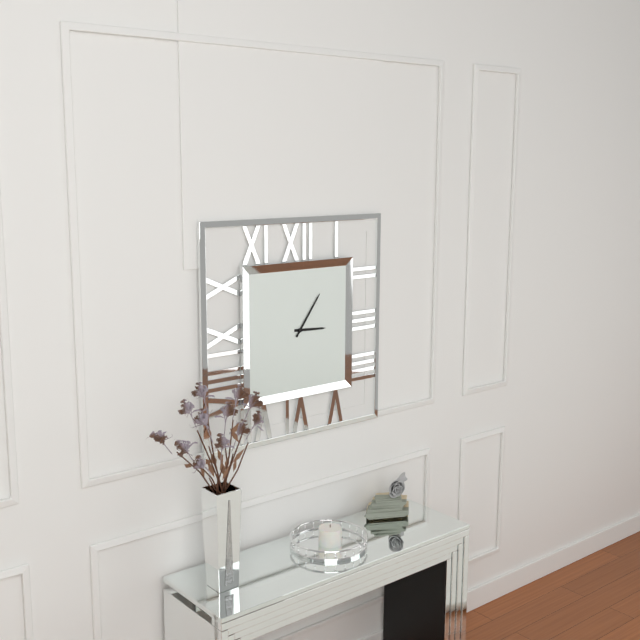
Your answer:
h=3 m=6
